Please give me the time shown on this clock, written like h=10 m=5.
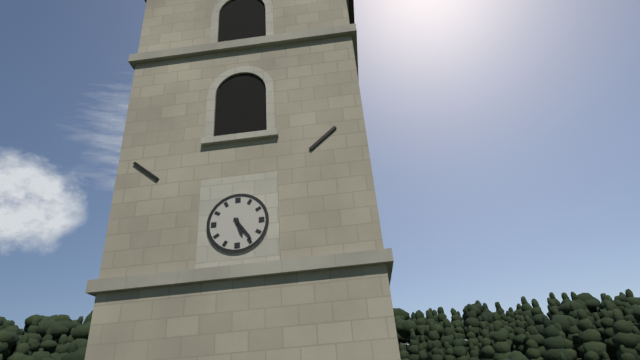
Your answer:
h=5 m=24
